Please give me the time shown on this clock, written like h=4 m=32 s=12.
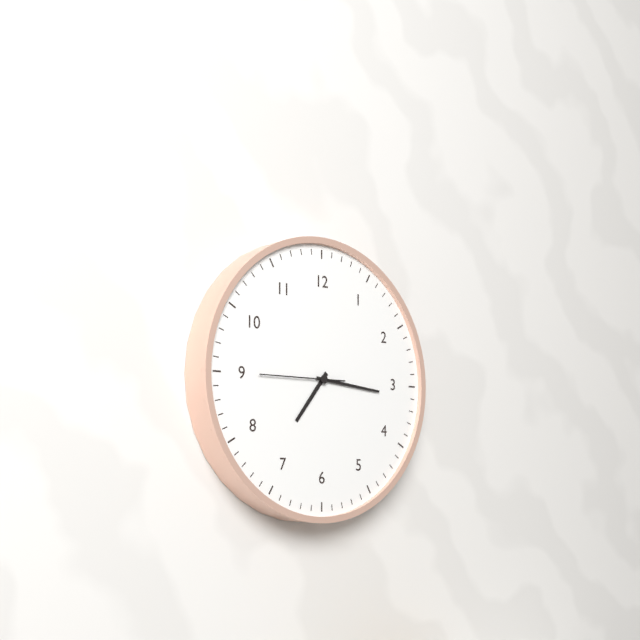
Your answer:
h=7 m=16 s=45
